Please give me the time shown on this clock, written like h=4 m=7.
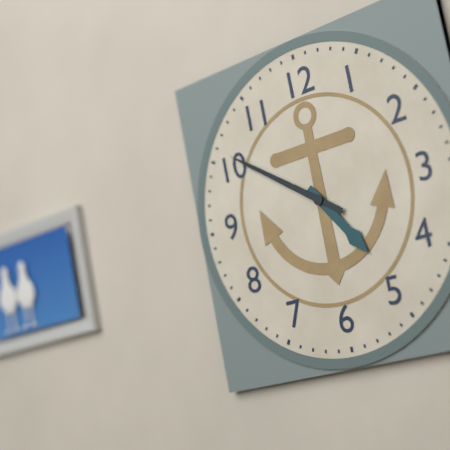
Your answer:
h=4 m=51
